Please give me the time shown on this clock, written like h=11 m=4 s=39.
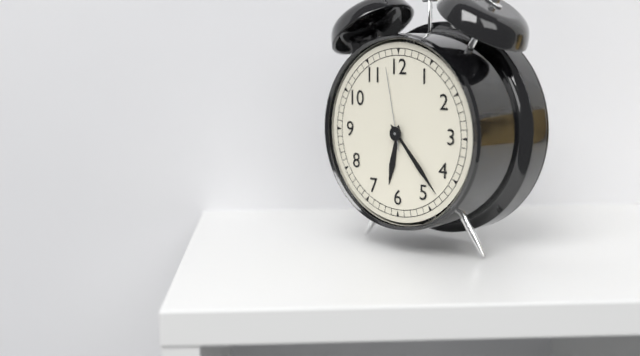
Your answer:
h=6 m=23 s=58
